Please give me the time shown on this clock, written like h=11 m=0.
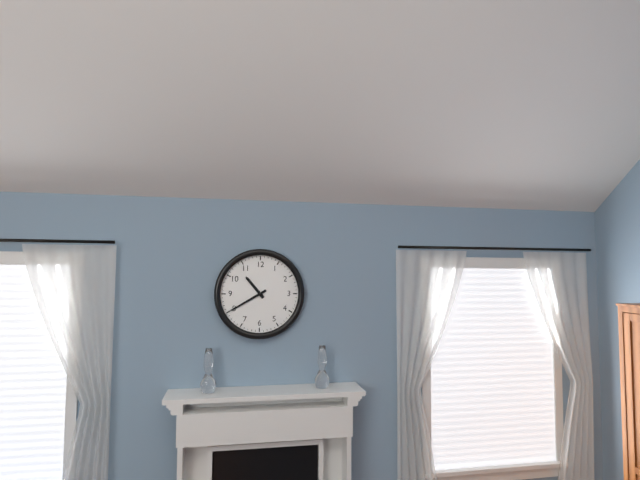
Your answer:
h=10 m=40
